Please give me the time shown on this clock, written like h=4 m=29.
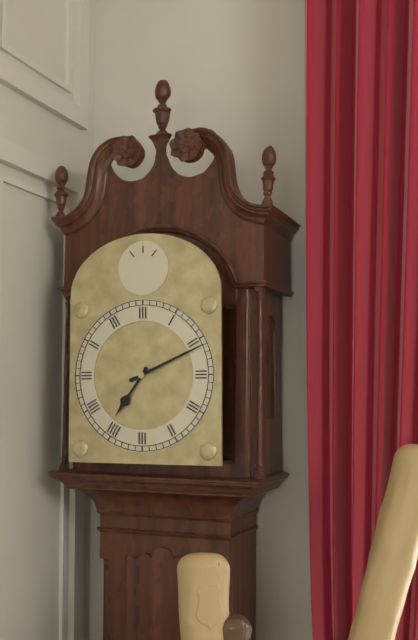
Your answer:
h=7 m=11
